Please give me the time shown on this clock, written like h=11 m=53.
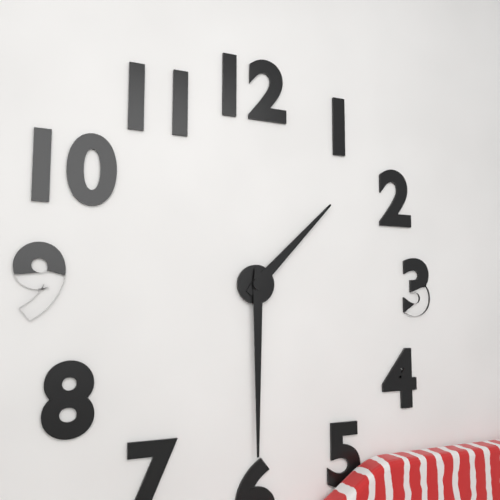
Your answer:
h=1 m=30
